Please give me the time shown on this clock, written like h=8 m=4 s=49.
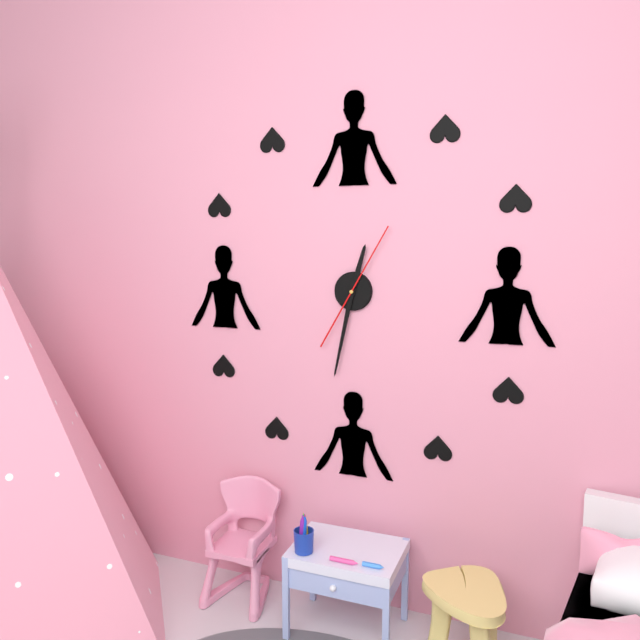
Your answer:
h=12 m=32 s=5
